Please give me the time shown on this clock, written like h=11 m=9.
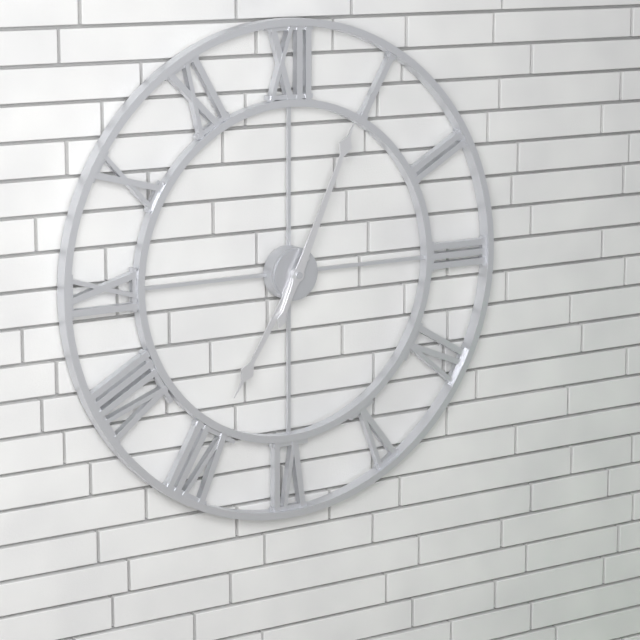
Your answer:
h=7 m=4
